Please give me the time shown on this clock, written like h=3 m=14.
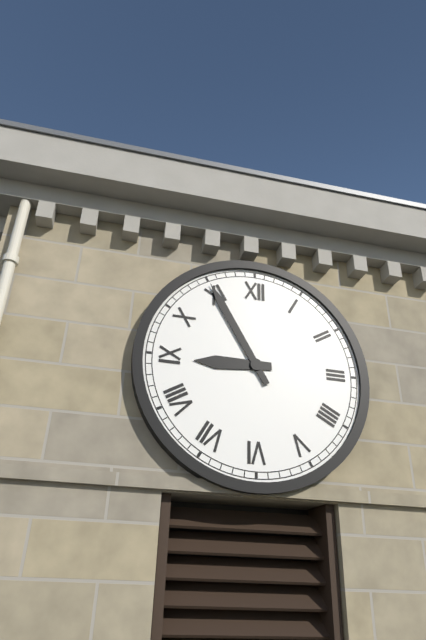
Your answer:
h=8 m=55
